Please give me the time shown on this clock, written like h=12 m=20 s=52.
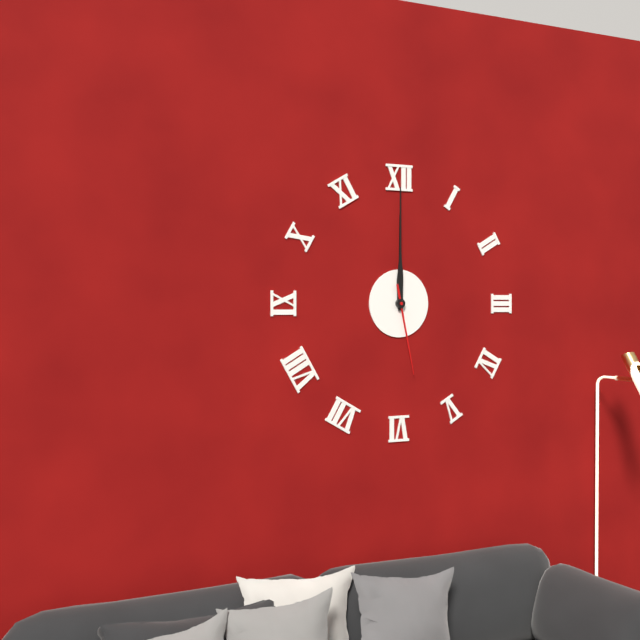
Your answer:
h=12 m=0 s=28
